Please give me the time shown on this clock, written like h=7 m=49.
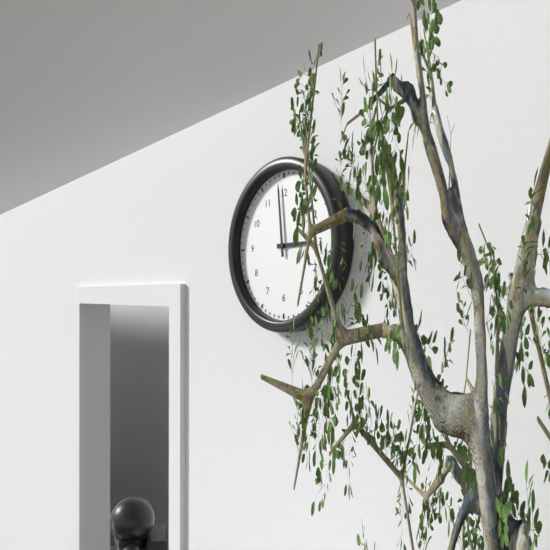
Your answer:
h=2 m=59
